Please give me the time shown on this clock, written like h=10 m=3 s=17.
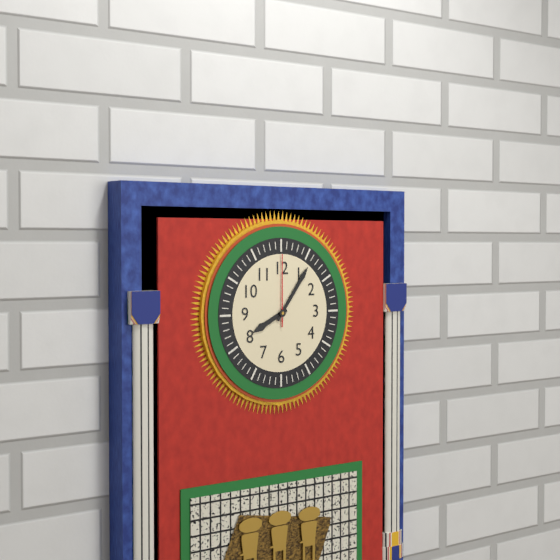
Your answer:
h=8 m=6 s=0
